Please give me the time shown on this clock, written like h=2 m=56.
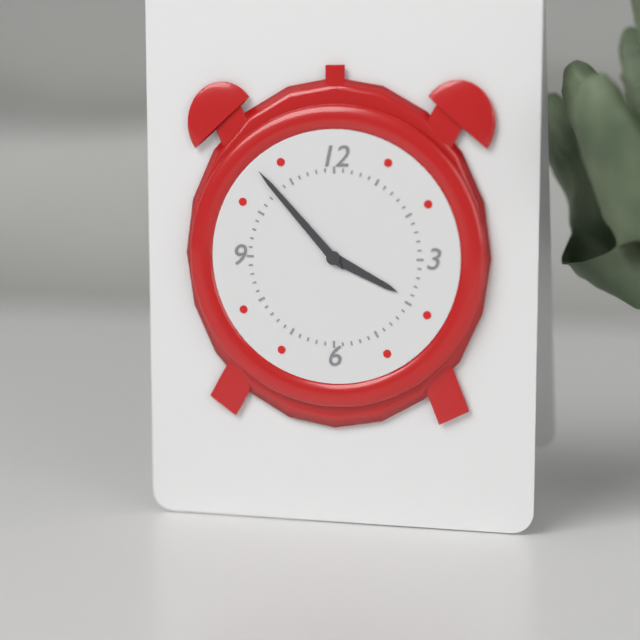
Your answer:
h=3 m=53
